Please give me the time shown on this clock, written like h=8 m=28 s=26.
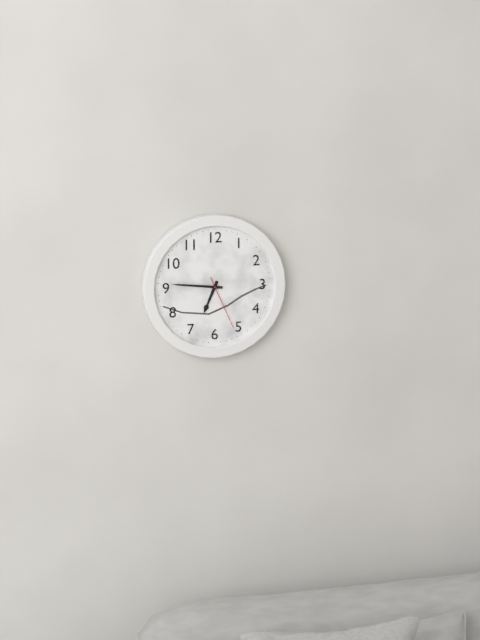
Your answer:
h=6 m=46 s=26
